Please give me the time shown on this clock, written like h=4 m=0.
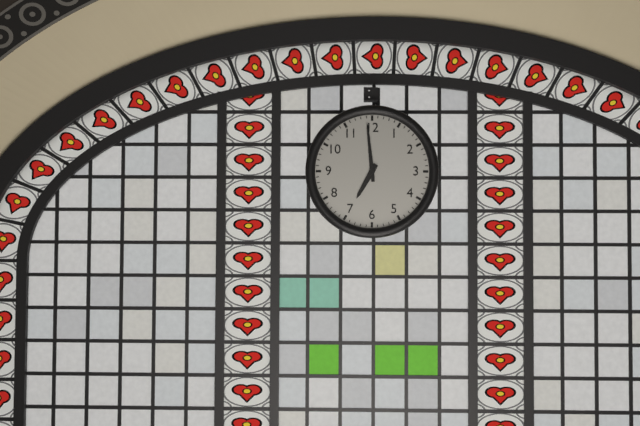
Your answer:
h=6 m=59
